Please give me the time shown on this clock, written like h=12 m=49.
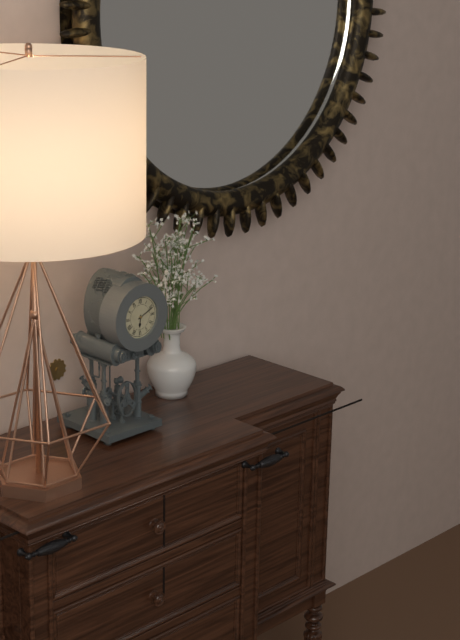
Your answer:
h=6 m=11
